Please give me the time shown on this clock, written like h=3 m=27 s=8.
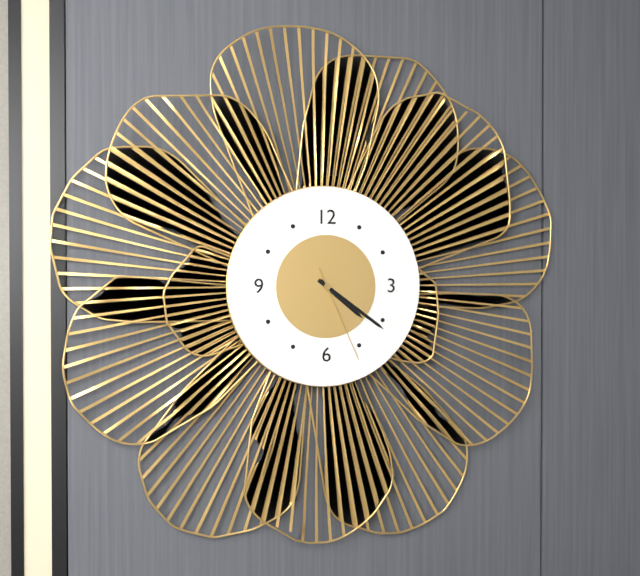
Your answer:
h=4 m=21 s=26
